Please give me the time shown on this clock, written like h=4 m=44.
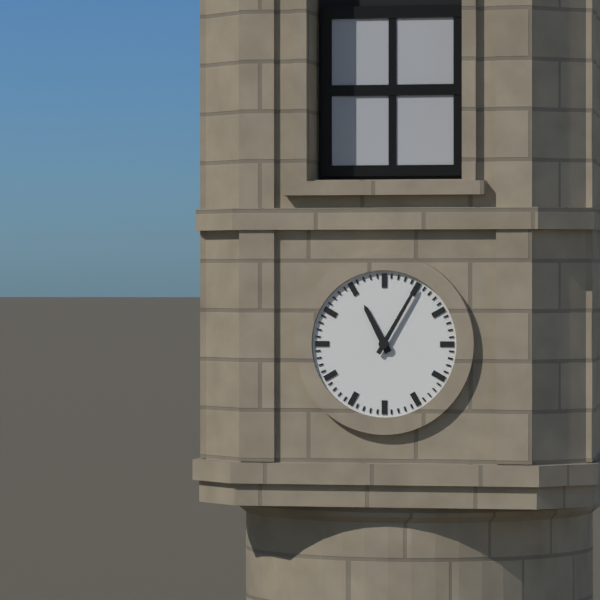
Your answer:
h=11 m=5
